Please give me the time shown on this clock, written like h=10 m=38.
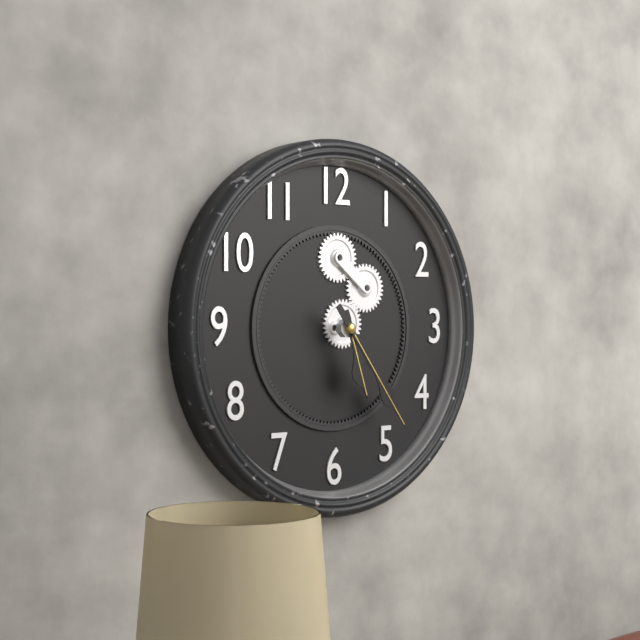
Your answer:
h=5 m=24
